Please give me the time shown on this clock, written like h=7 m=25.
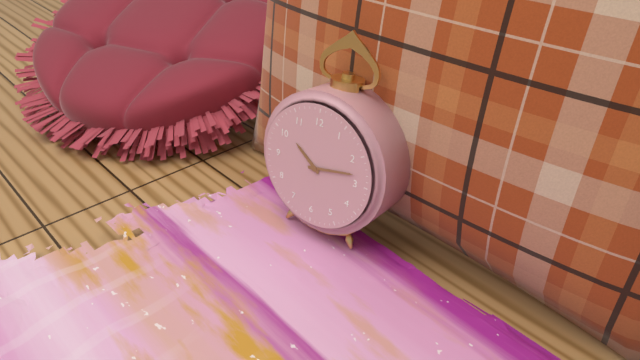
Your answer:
h=10 m=13
